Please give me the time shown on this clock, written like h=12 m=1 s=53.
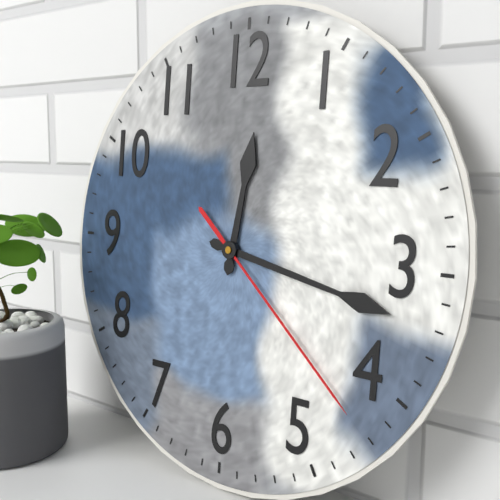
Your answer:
h=12 m=17 s=22
